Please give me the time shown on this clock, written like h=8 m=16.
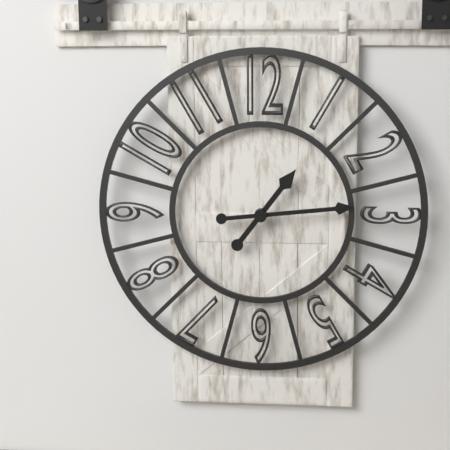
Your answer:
h=1 m=14
